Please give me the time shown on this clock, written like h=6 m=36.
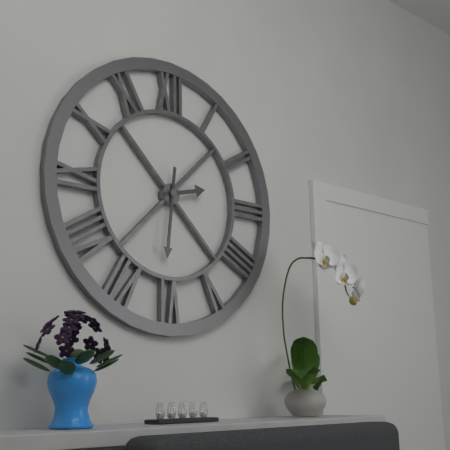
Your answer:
h=2 m=31
